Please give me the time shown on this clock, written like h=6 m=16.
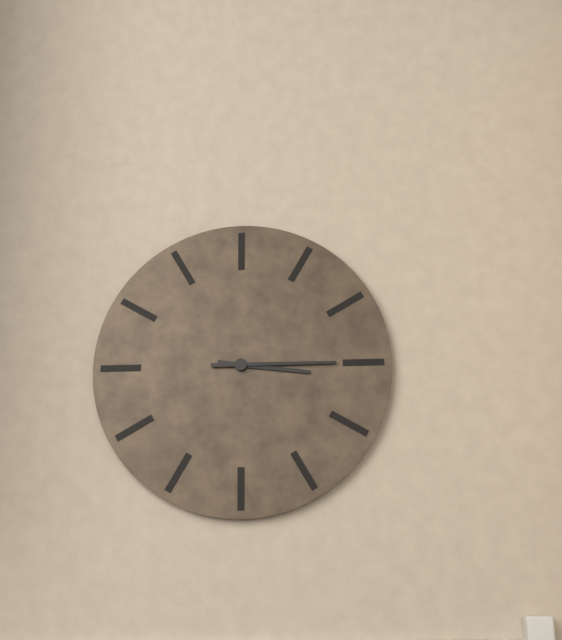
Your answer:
h=3 m=15
